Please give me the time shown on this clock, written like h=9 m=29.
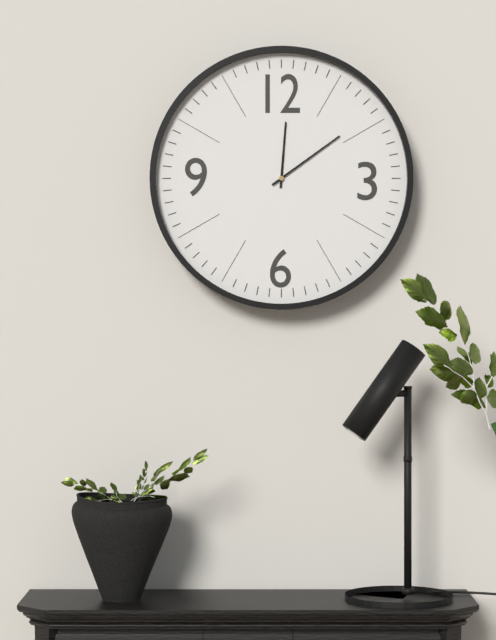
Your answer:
h=12 m=9
